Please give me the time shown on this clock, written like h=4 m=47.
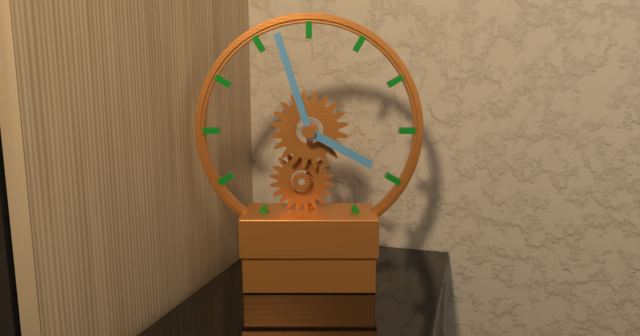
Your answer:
h=3 m=57
